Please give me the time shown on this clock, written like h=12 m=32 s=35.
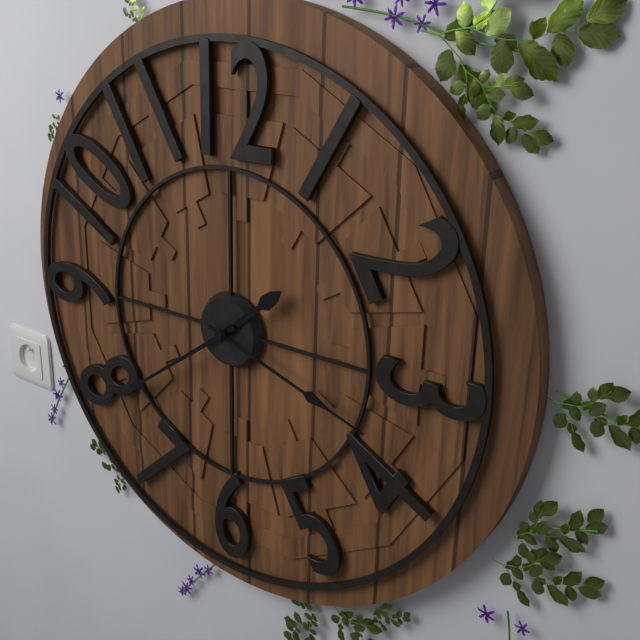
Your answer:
h=1 m=39 s=18
